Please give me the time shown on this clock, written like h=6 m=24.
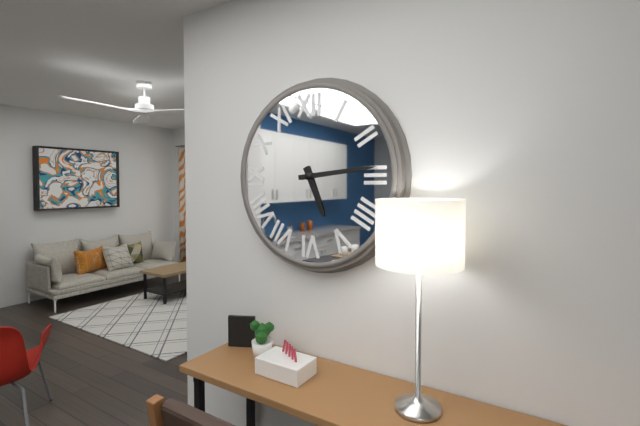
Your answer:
h=5 m=14
